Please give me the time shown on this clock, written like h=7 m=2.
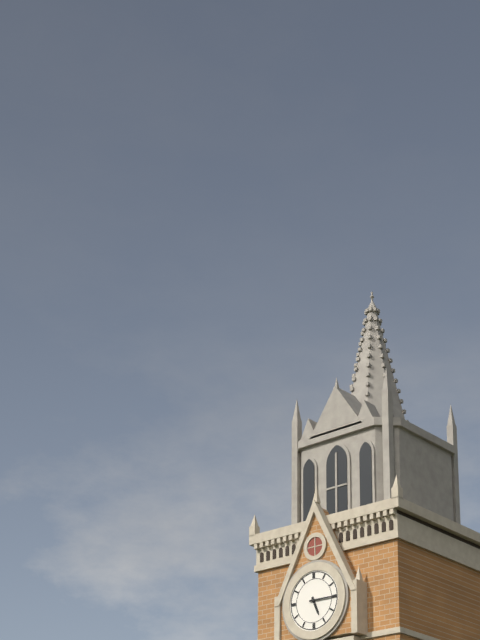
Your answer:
h=5 m=15
